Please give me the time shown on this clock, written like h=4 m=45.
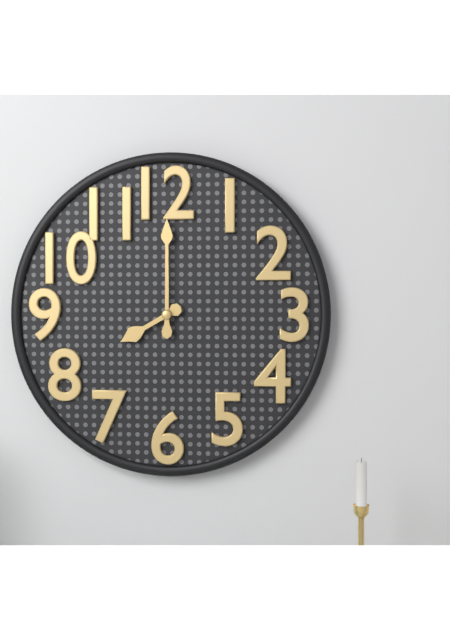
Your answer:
h=8 m=0
